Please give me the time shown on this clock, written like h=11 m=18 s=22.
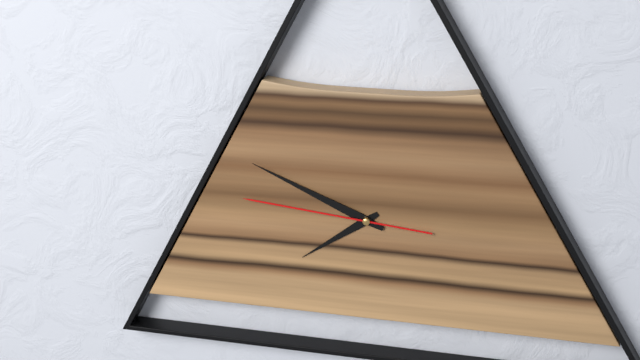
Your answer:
h=7 m=49 s=46
